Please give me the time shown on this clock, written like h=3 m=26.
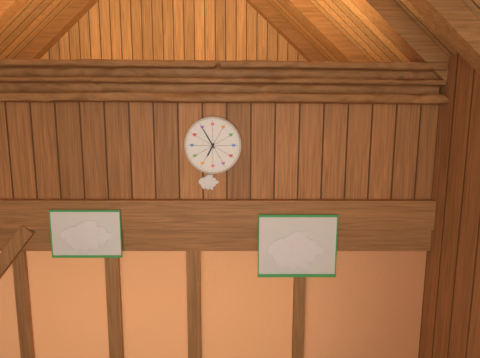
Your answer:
h=6 m=55
